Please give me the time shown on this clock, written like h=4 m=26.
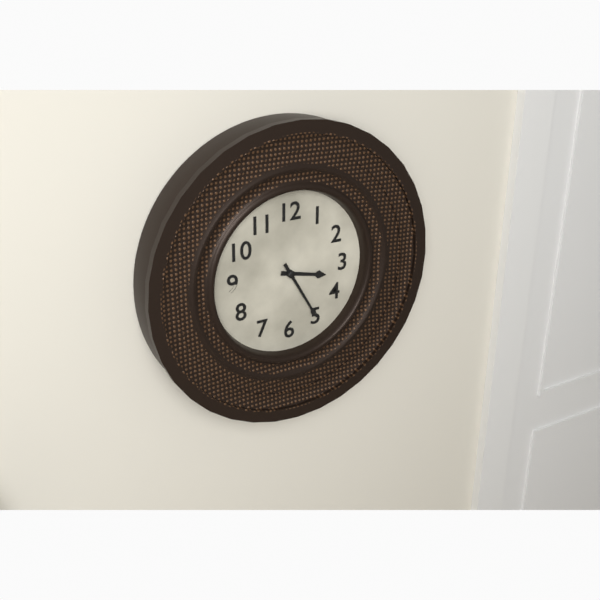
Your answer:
h=3 m=25
